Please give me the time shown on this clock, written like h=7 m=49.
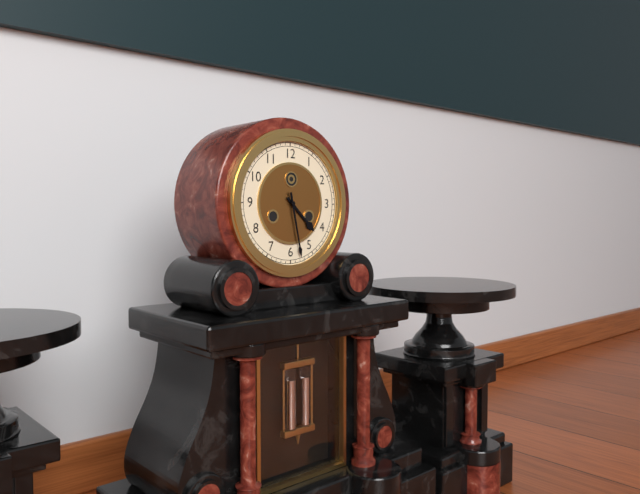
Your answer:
h=4 m=28
